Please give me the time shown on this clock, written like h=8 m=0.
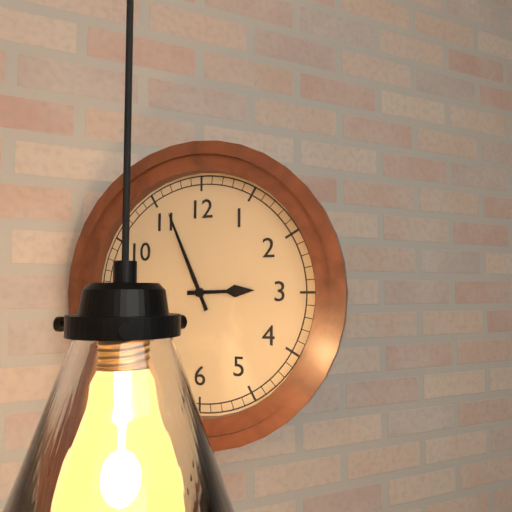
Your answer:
h=2 m=56
